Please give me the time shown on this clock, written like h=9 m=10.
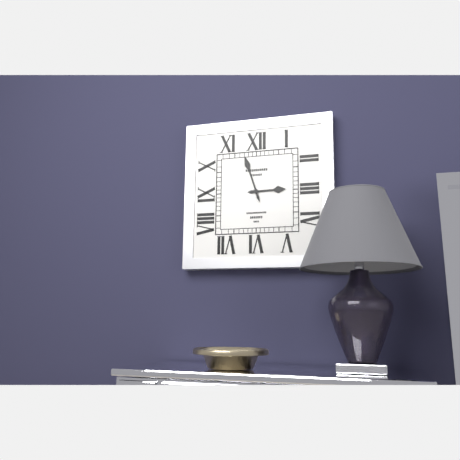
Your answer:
h=2 m=57
